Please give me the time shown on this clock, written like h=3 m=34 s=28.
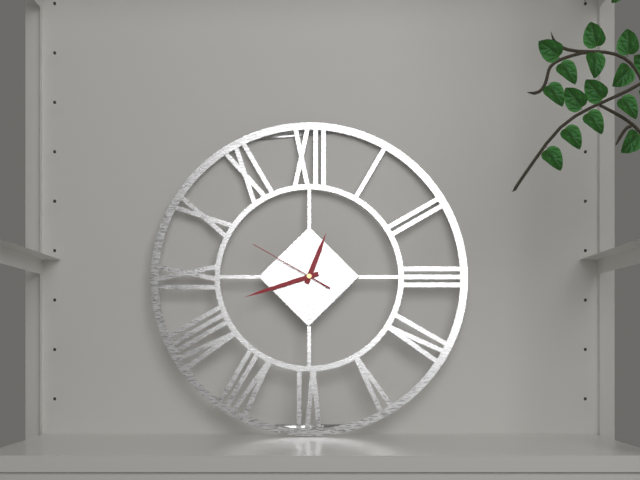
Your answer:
h=12 m=42 s=50
